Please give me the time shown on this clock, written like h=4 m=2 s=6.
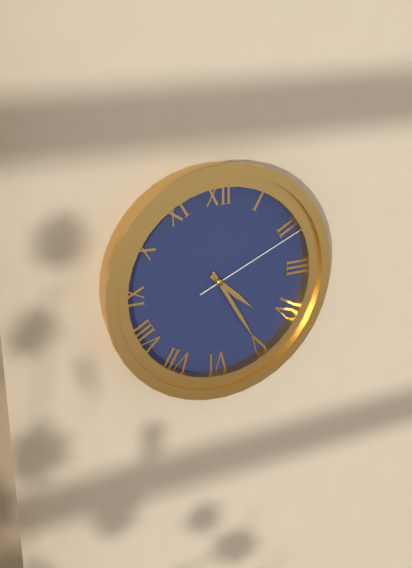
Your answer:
h=4 m=25 s=11
